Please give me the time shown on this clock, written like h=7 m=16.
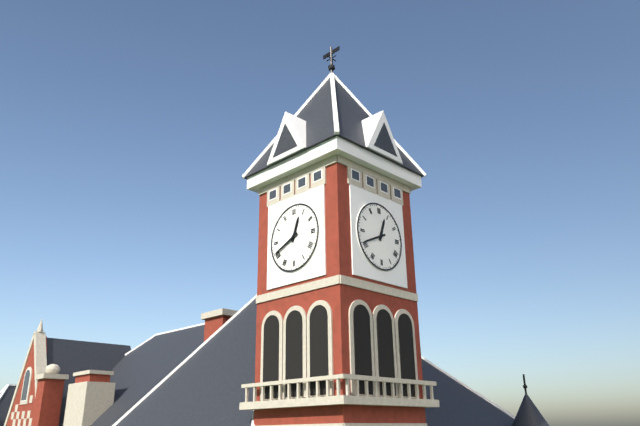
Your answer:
h=12 m=41
